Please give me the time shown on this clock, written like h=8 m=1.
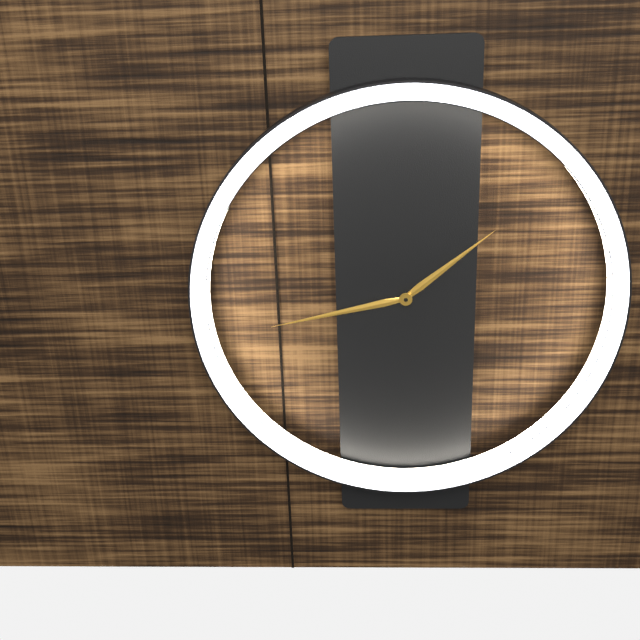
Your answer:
h=1 m=43
